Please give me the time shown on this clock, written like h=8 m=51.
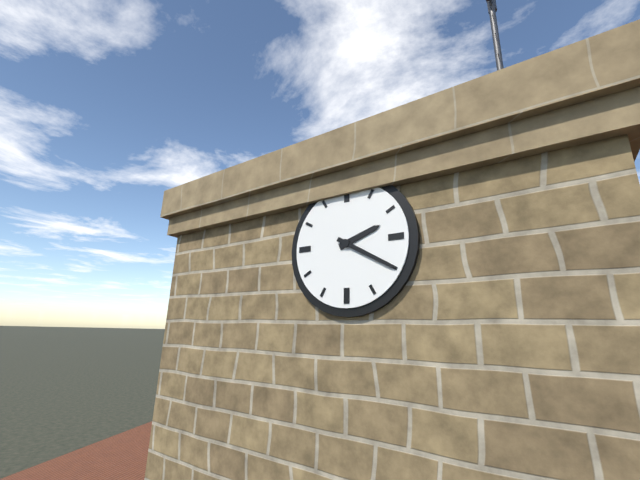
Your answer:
h=2 m=20
